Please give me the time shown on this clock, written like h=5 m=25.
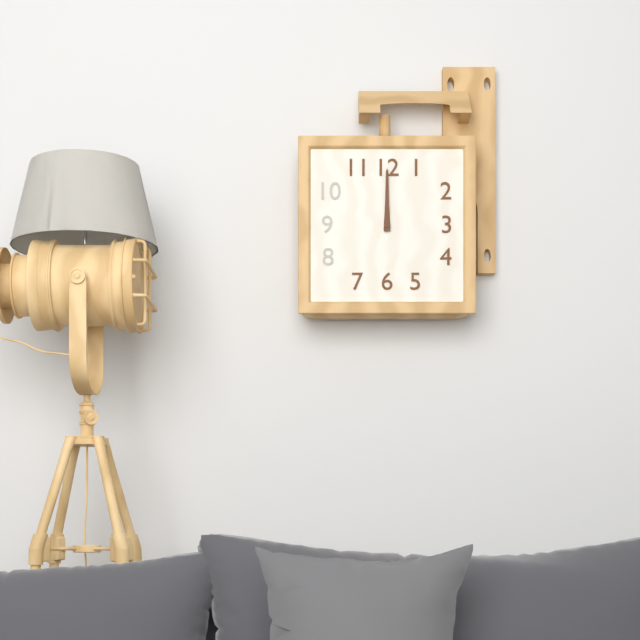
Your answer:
h=12 m=0
